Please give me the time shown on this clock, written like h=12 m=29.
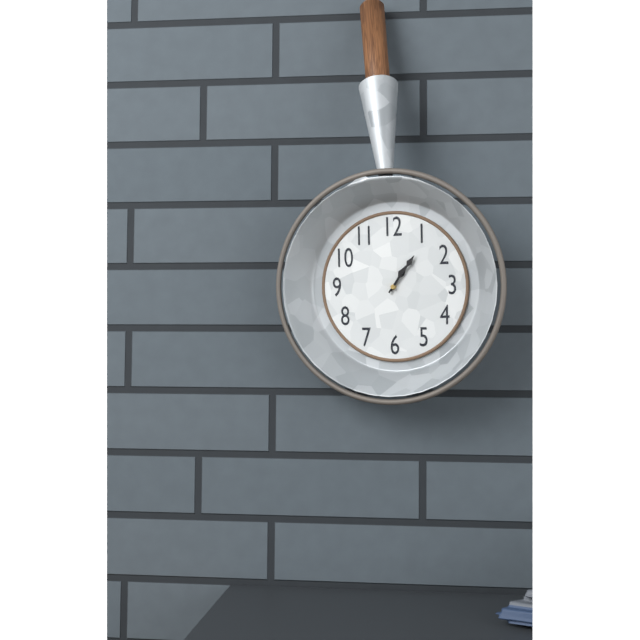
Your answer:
h=1 m=6
